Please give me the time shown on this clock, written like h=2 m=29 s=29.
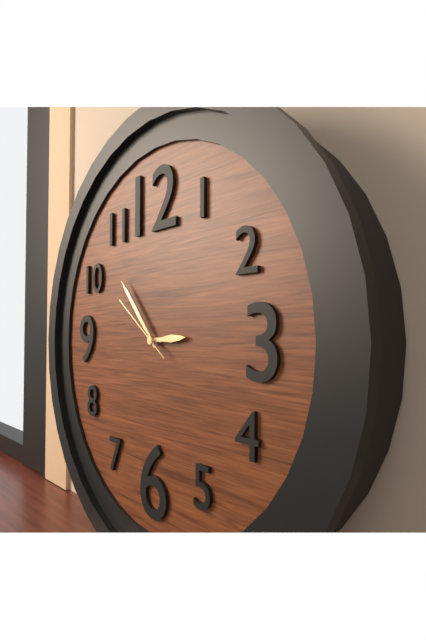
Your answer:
h=2 m=53 s=51
